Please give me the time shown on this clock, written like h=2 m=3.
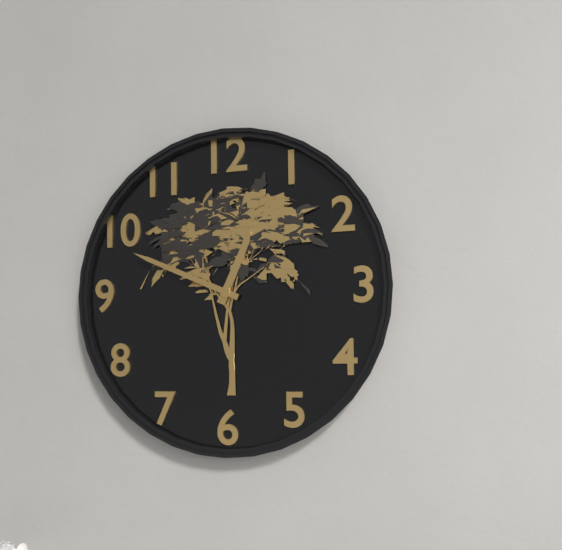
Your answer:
h=12 m=49
